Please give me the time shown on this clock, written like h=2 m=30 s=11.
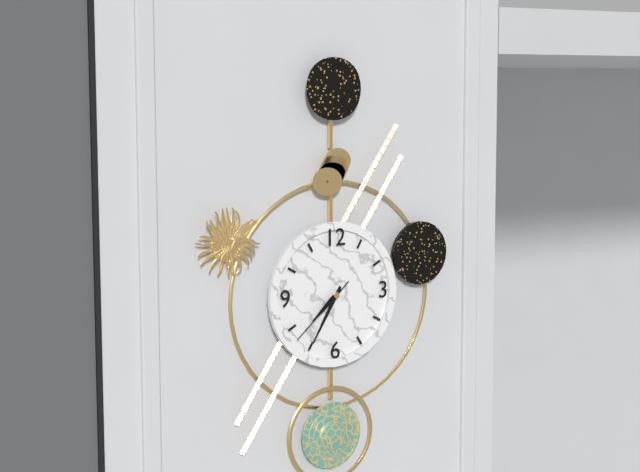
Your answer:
h=7 m=35 s=38
